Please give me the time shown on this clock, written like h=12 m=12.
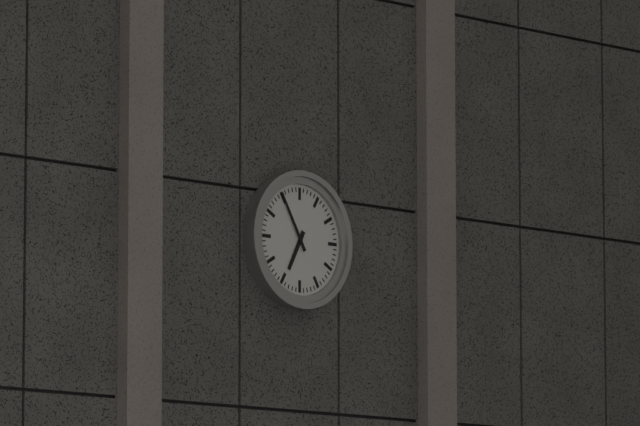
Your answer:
h=6 m=55
